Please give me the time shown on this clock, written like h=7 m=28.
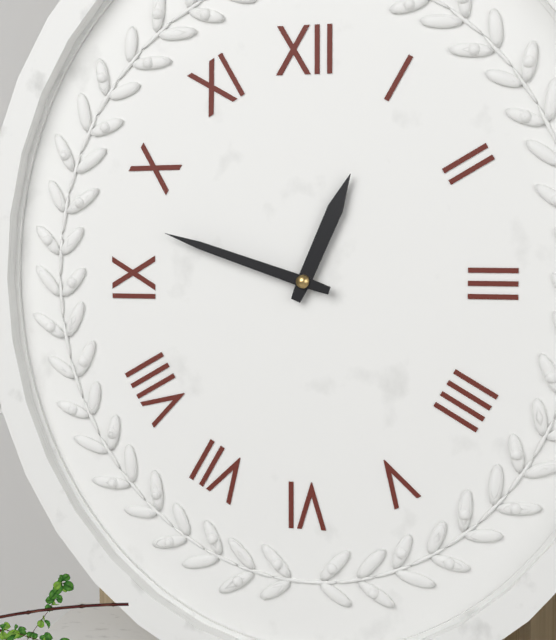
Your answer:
h=12 m=48
